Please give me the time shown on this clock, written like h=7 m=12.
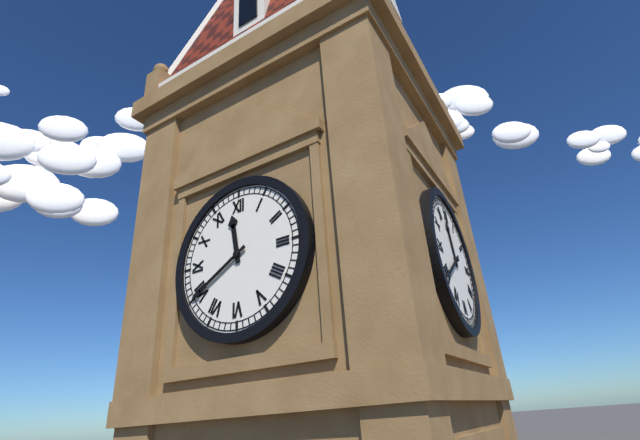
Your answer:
h=11 m=40
